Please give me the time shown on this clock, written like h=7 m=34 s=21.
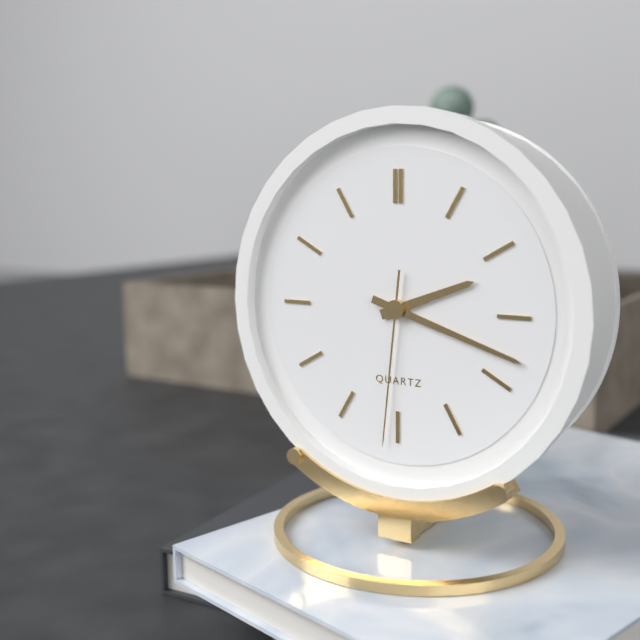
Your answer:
h=2 m=18 s=31
